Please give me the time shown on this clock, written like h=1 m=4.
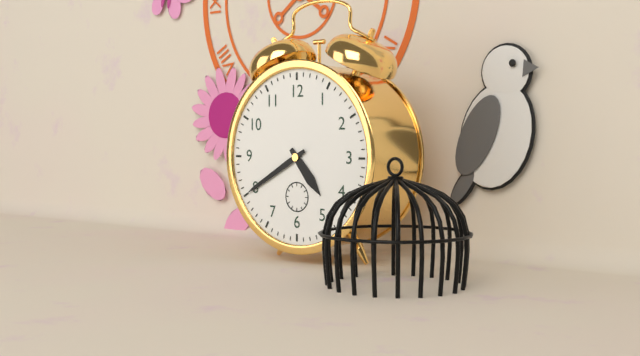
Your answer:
h=4 m=40
